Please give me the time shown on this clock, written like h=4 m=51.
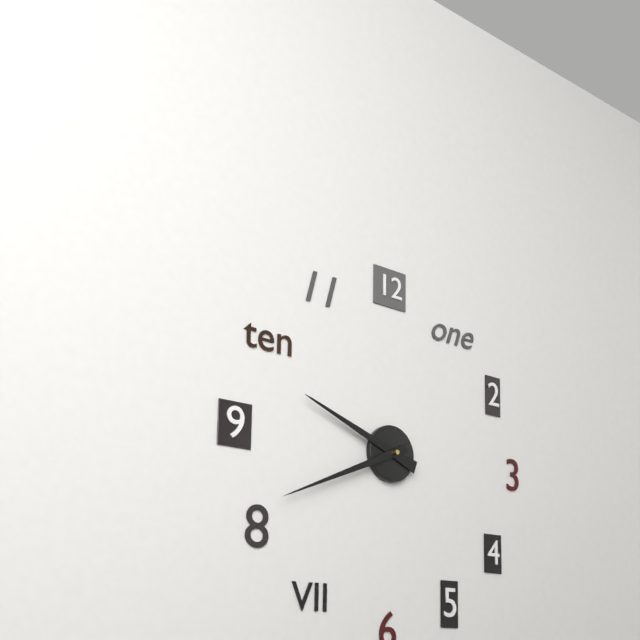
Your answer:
h=9 m=41
